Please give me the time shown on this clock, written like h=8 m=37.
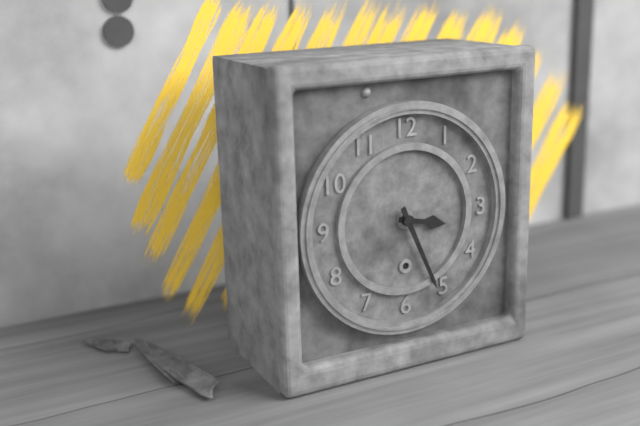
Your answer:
h=3 m=26
